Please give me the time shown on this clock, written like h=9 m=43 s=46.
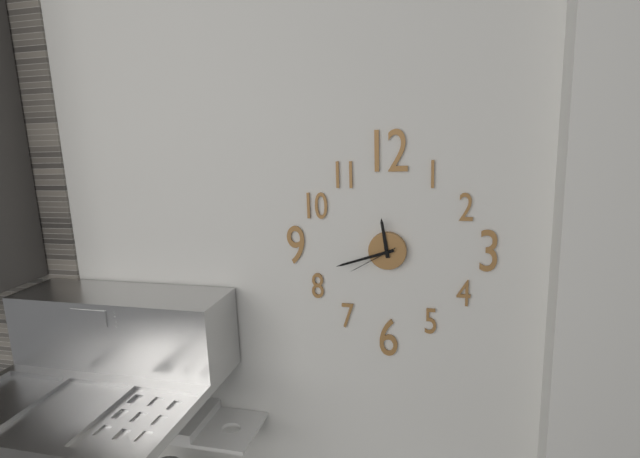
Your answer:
h=11 m=42 s=40
